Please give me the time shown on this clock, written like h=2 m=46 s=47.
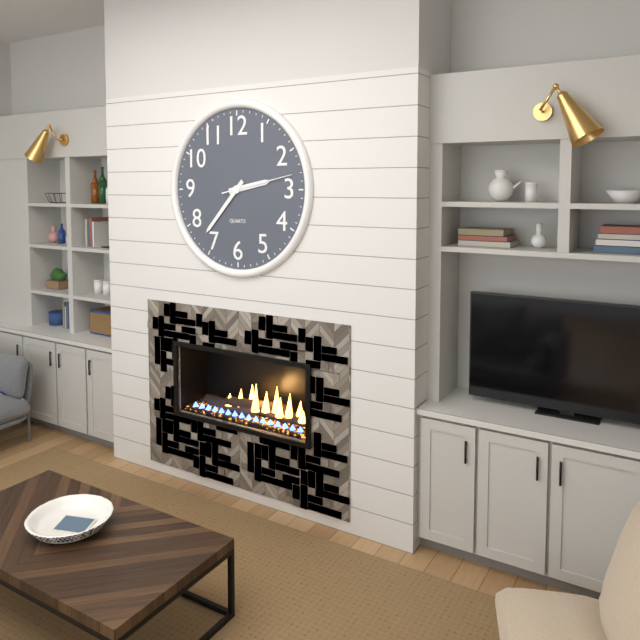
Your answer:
h=2 m=37 s=13
